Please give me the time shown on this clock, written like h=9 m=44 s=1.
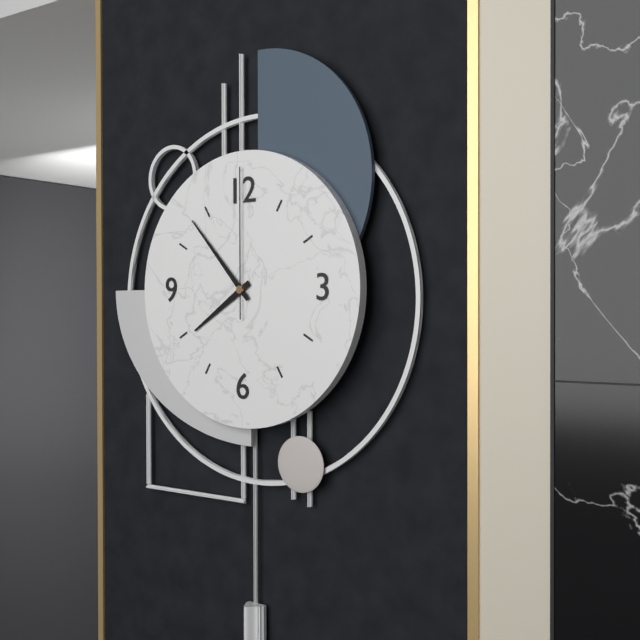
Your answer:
h=7 m=53 s=0
